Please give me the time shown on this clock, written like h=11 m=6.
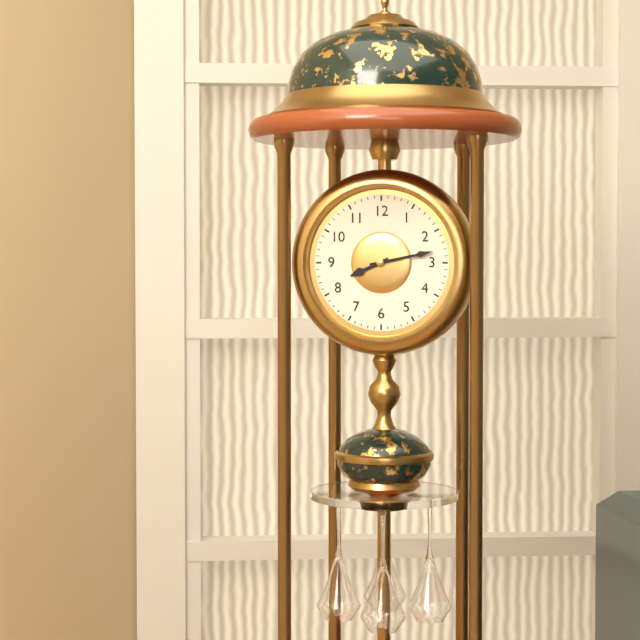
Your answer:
h=8 m=13
